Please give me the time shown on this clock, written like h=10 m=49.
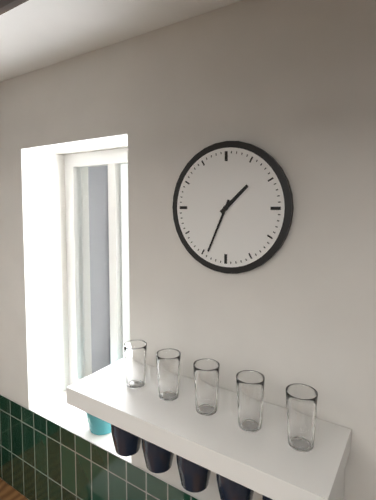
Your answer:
h=1 m=34
